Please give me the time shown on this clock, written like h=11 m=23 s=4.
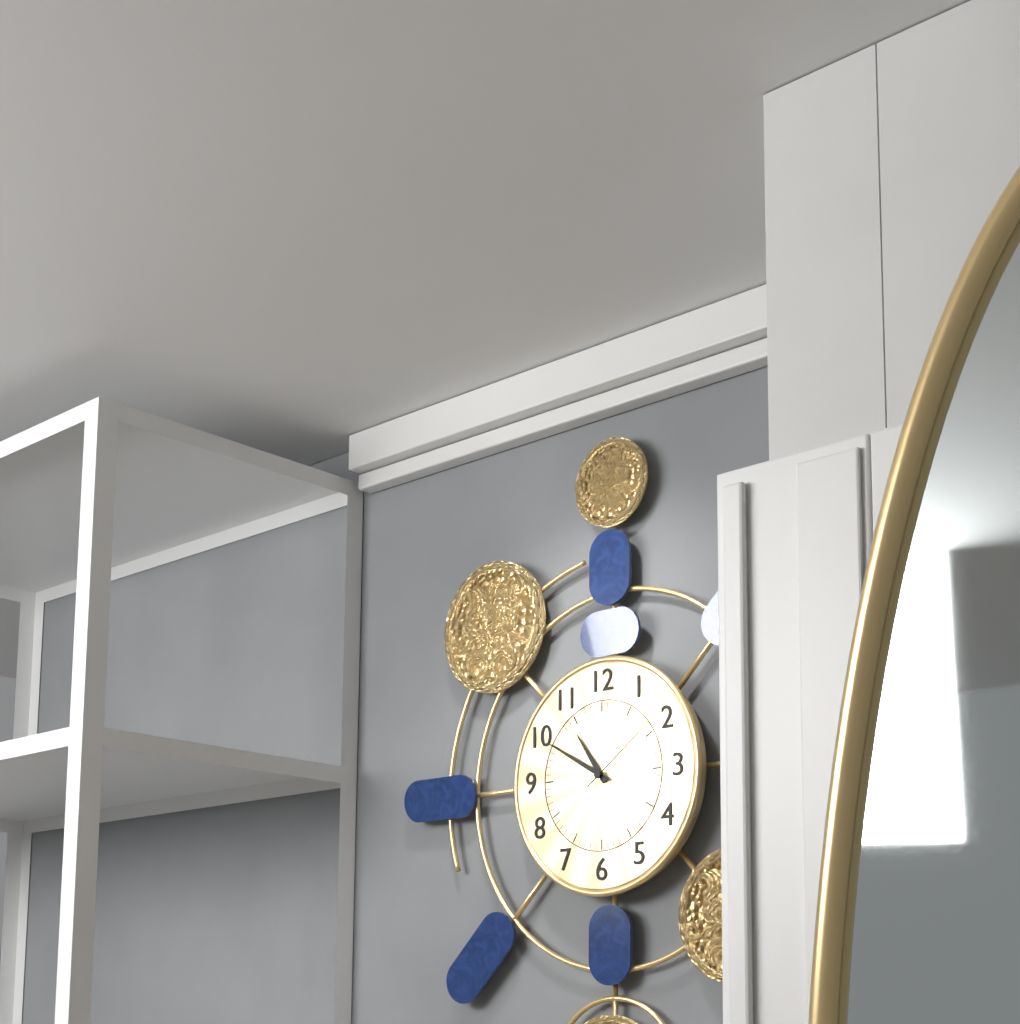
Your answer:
h=10 m=50 s=9
